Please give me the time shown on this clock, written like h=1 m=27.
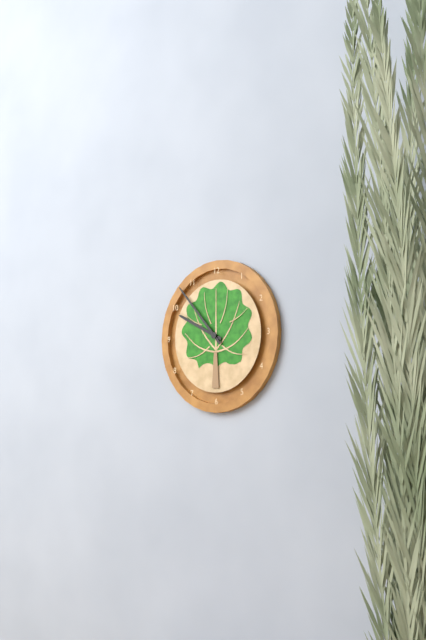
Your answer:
h=9 m=53
